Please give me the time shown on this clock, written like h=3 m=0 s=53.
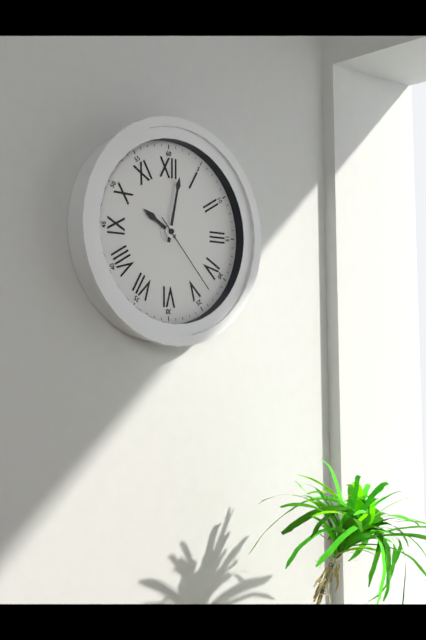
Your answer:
h=10 m=2 s=23
